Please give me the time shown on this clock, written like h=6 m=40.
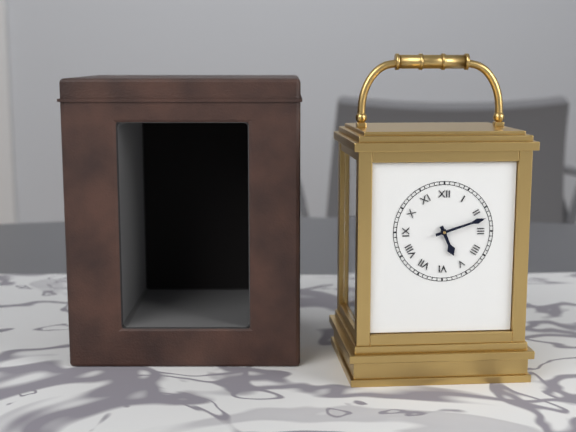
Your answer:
h=5 m=12
